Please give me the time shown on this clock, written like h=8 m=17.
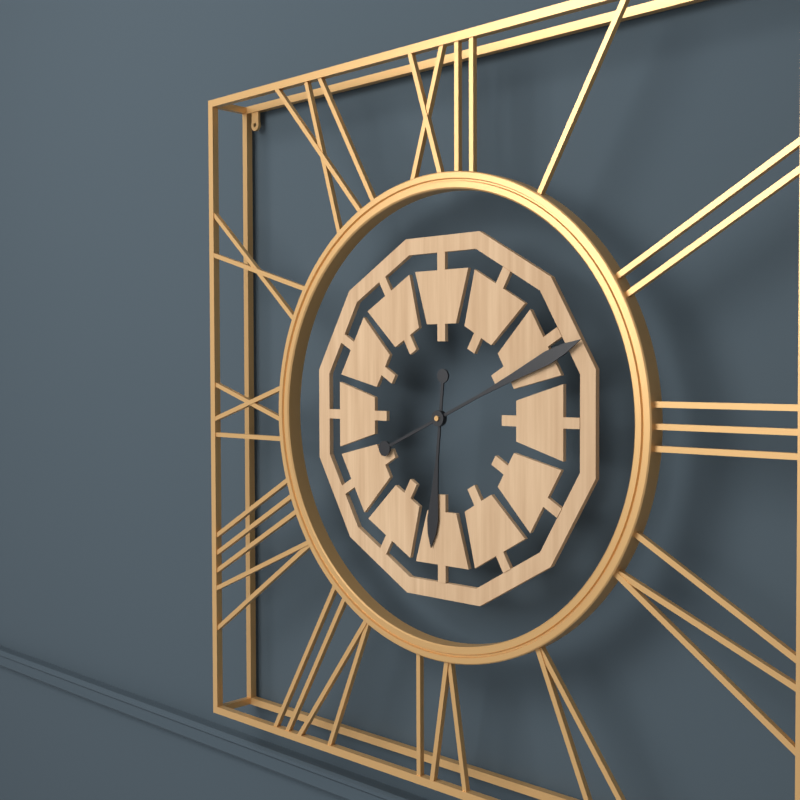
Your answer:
h=6 m=11
